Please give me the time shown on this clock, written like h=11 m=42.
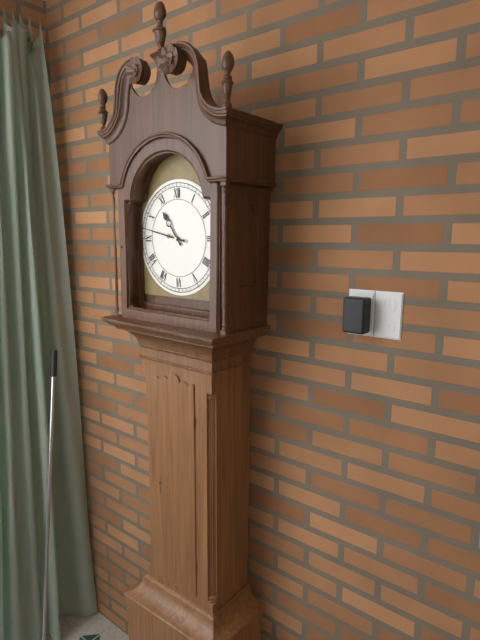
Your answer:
h=10 m=47
